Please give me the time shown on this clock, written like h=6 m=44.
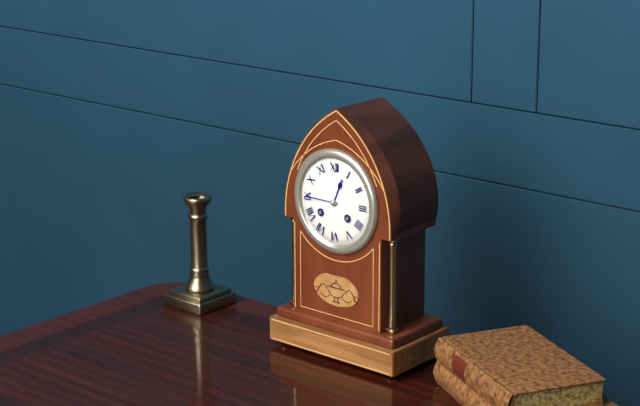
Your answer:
h=12 m=45
